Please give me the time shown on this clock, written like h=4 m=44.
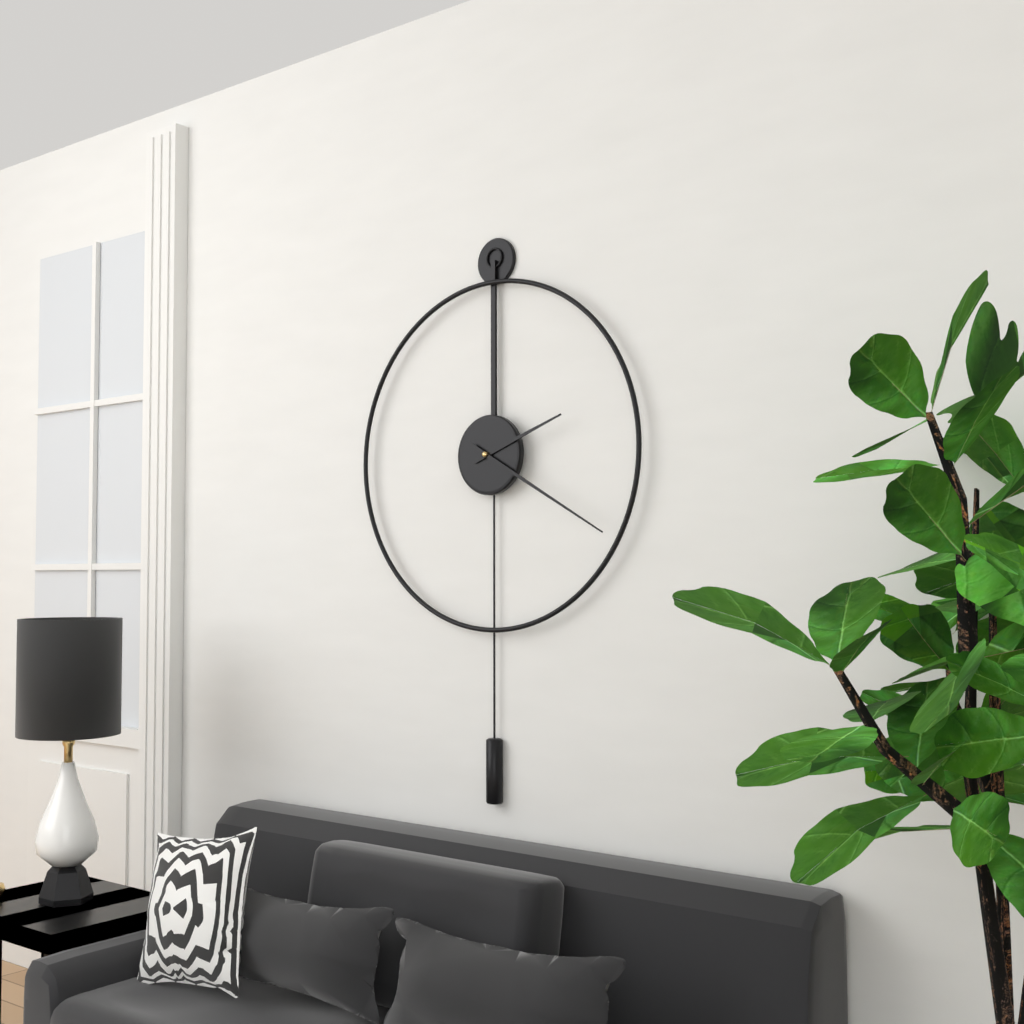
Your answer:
h=2 m=20
